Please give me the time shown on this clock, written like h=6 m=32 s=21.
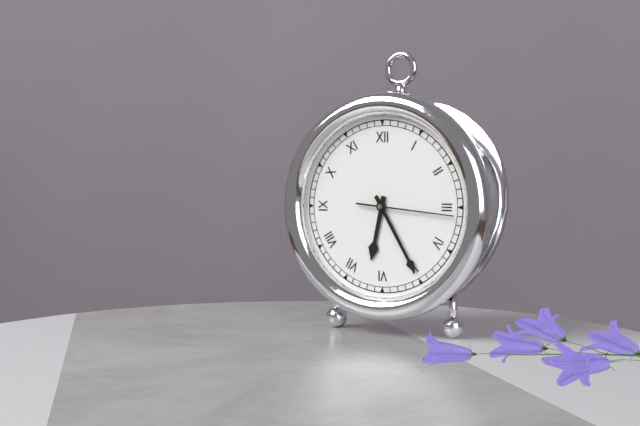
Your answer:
h=6 m=25 s=16
